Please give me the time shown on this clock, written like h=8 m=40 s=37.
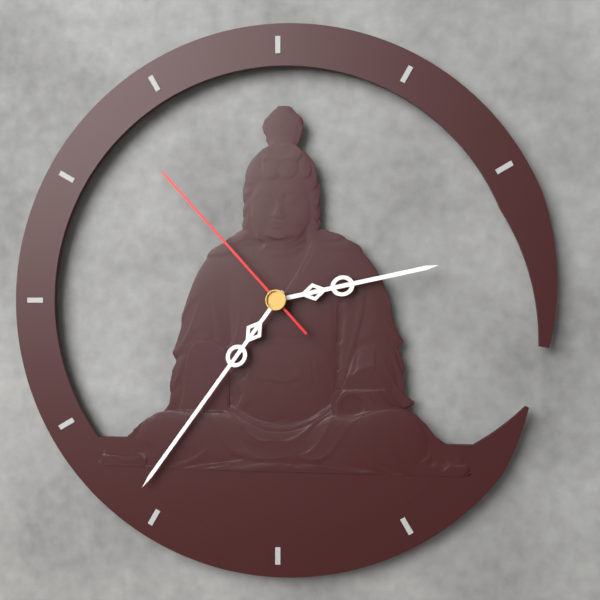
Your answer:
h=2 m=36 s=53
